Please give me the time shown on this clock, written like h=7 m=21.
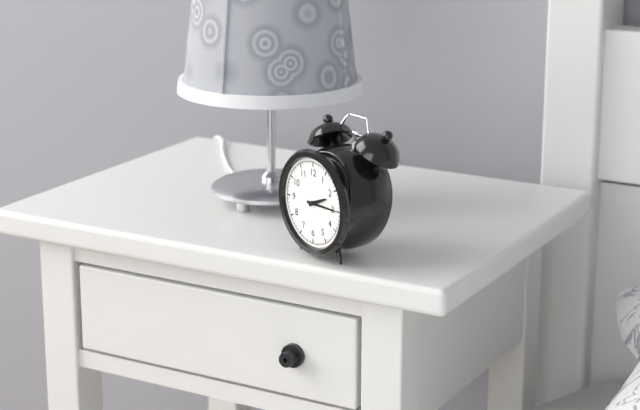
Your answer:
h=2 m=15
